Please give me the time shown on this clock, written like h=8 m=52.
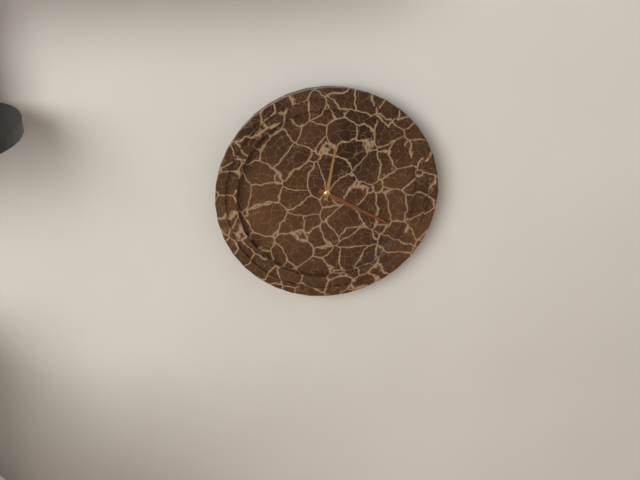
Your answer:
h=12 m=20
